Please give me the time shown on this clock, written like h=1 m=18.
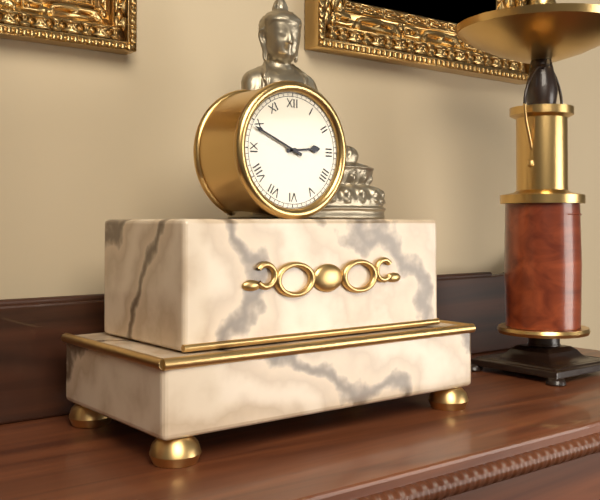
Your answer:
h=2 m=49
